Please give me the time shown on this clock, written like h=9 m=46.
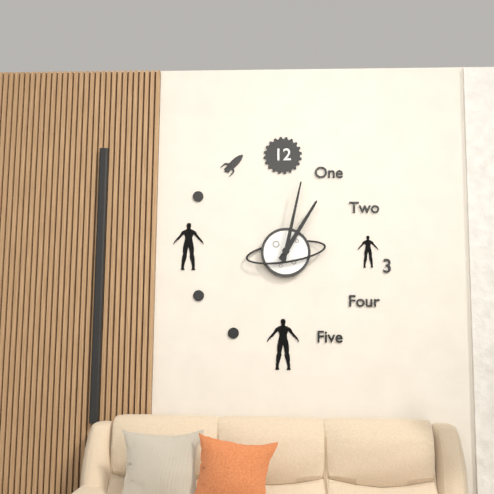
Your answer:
h=1 m=2
